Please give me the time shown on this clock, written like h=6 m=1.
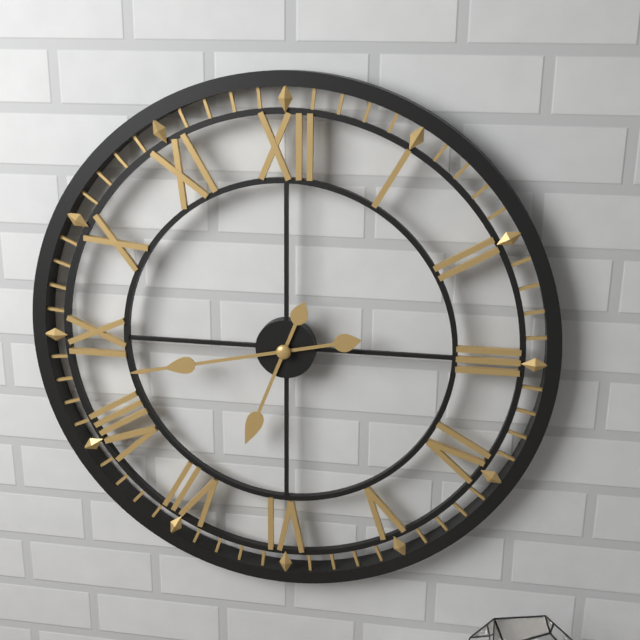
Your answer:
h=6 m=43
